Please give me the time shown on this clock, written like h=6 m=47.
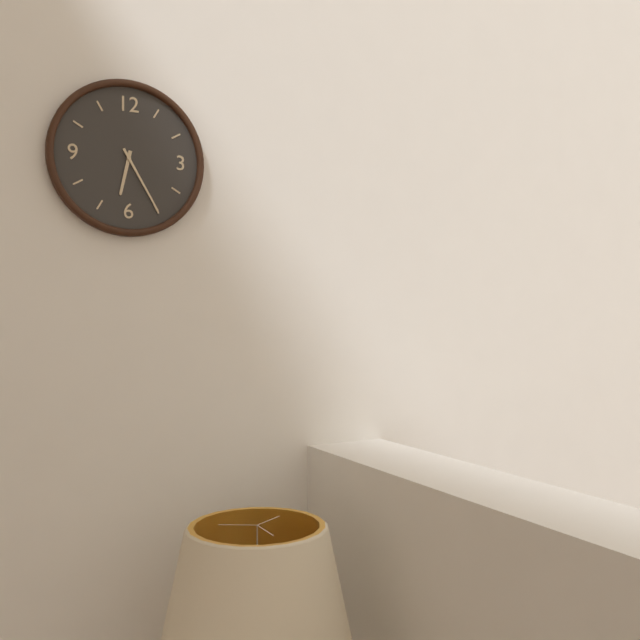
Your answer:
h=6 m=25
